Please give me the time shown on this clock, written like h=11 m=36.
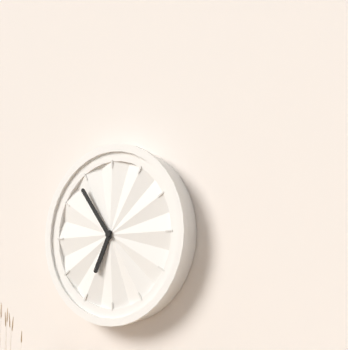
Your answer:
h=6 m=54
